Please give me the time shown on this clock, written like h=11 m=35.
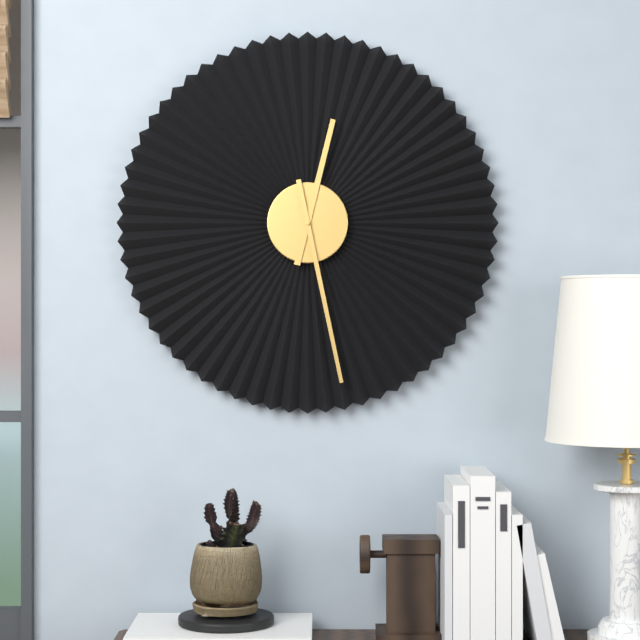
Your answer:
h=12 m=28
